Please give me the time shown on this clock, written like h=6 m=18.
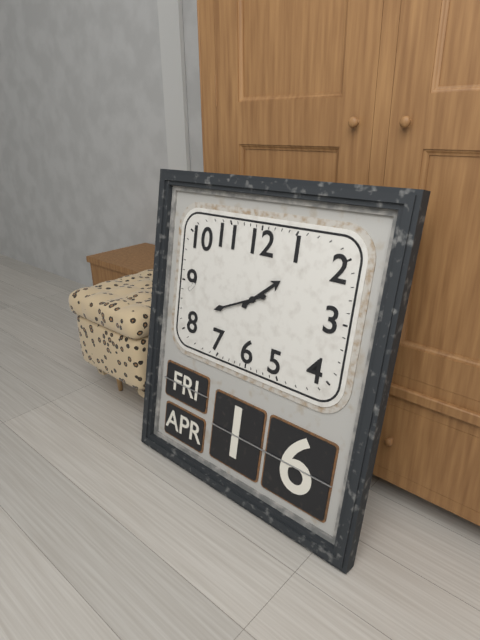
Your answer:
h=1 m=41
